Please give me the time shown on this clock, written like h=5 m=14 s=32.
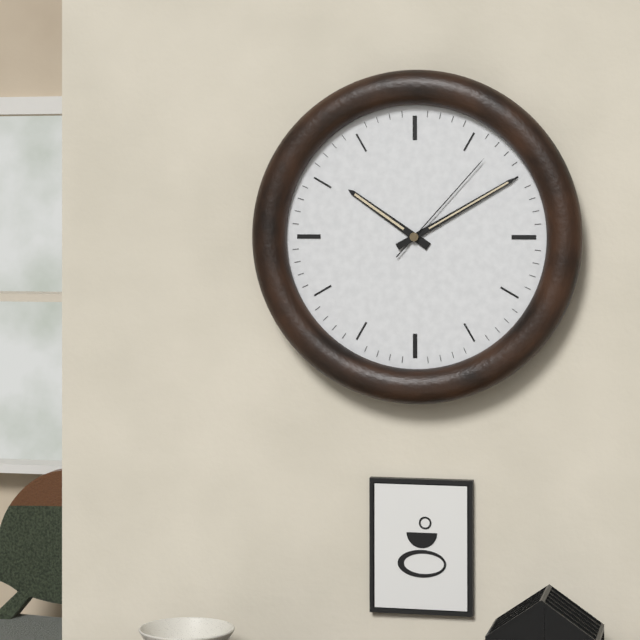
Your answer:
h=10 m=10 s=7
